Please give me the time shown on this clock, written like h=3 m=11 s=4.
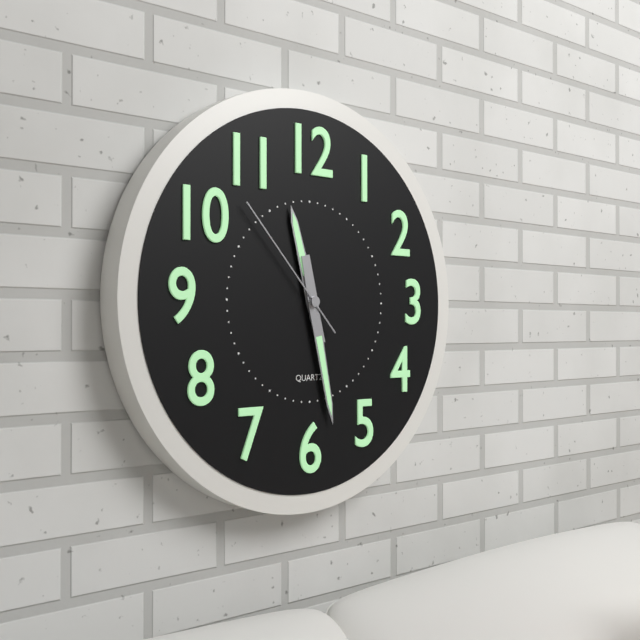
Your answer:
h=11 m=28 s=53
